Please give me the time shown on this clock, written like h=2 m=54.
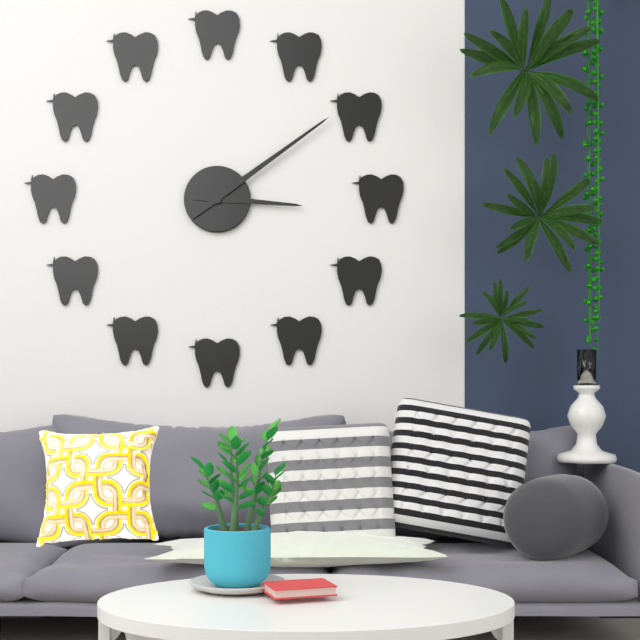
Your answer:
h=3 m=9
